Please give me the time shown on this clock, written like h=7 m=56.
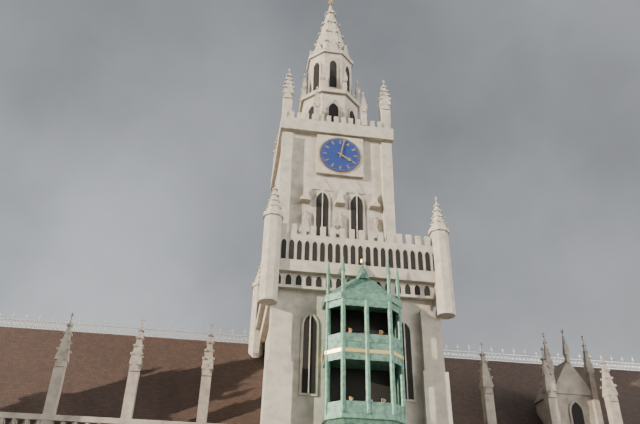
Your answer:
h=4 m=2
